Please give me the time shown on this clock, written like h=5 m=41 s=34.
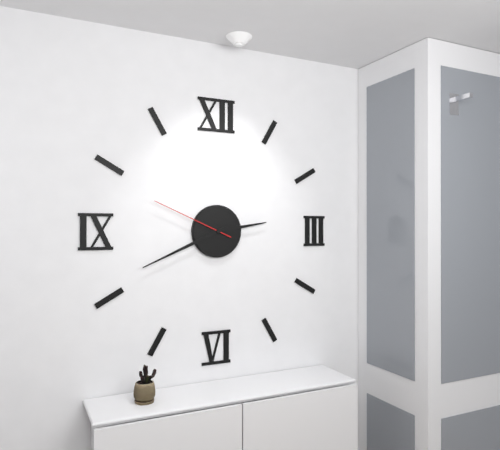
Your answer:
h=2 m=41 s=49
